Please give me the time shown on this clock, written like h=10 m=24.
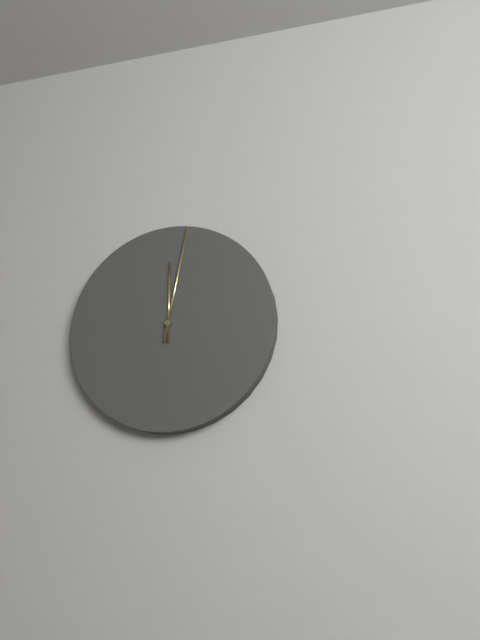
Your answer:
h=12 m=2
